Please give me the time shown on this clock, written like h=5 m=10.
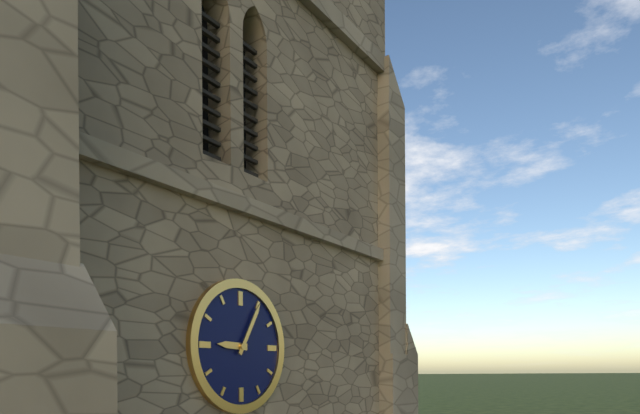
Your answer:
h=9 m=5
